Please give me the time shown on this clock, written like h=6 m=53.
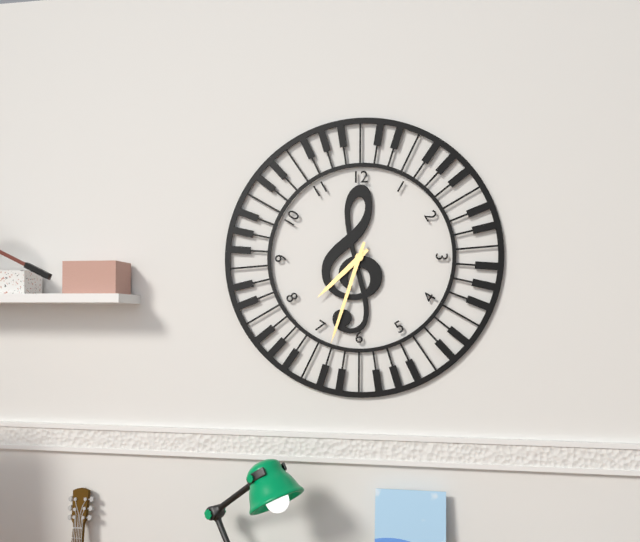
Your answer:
h=7 m=33
